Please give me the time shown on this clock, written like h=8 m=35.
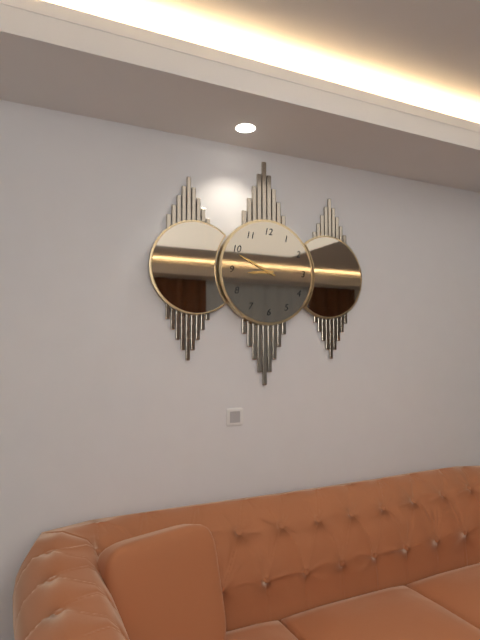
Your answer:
h=8 m=49
